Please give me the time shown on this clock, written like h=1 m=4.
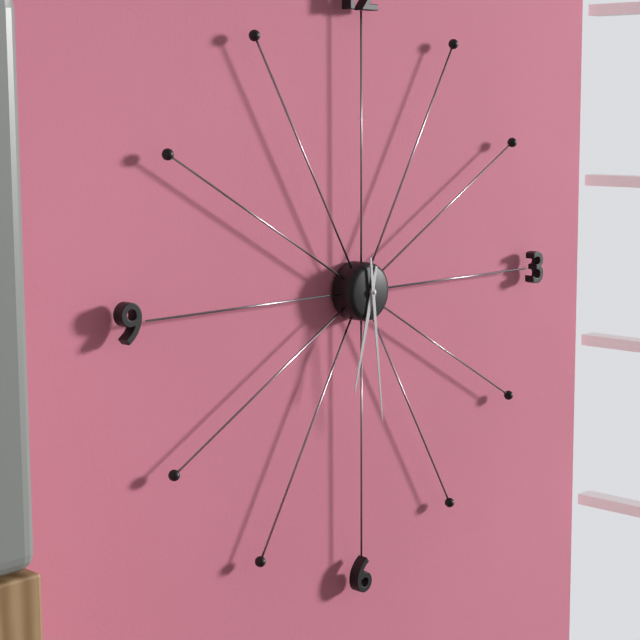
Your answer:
h=6 m=29
